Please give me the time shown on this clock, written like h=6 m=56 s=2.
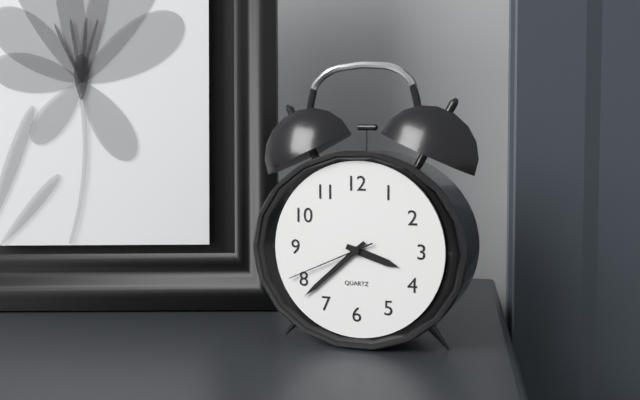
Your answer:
h=3 m=38 s=41
